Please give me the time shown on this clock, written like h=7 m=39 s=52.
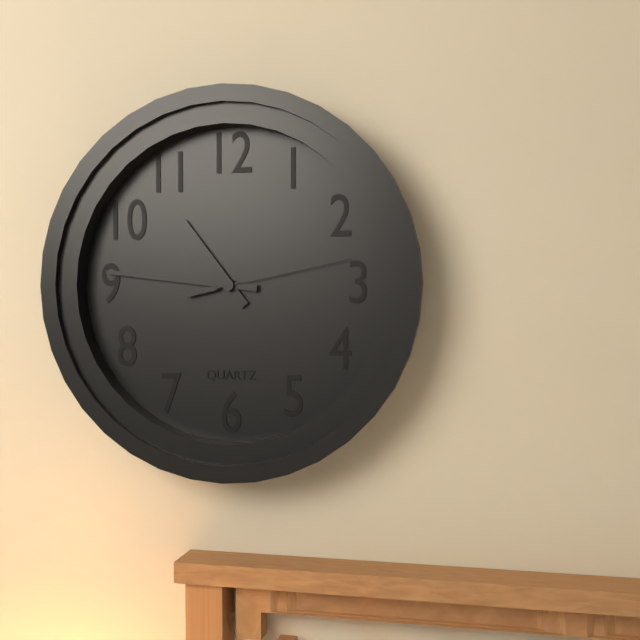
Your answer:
h=10 m=46 s=13
